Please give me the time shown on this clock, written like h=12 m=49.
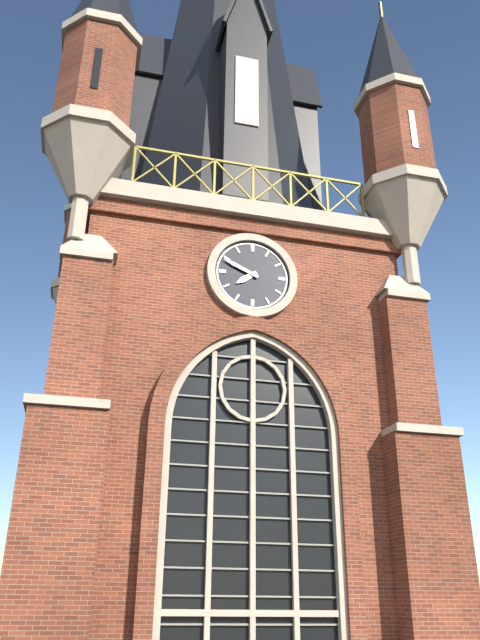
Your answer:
h=7 m=49
